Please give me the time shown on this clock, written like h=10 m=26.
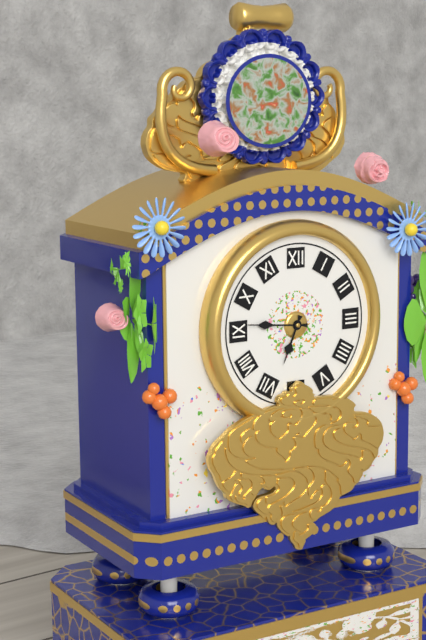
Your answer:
h=6 m=46
